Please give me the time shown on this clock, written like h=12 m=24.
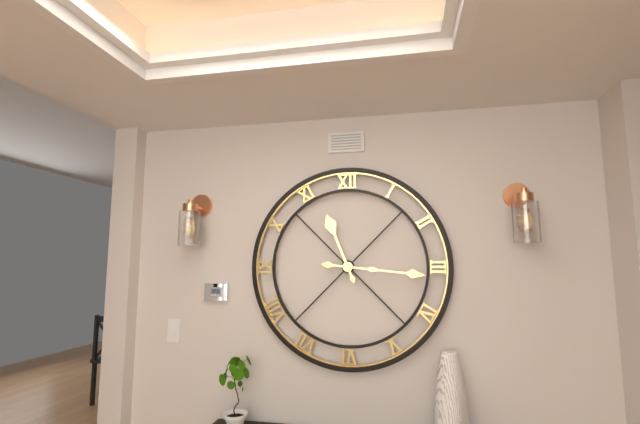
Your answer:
h=11 m=16
